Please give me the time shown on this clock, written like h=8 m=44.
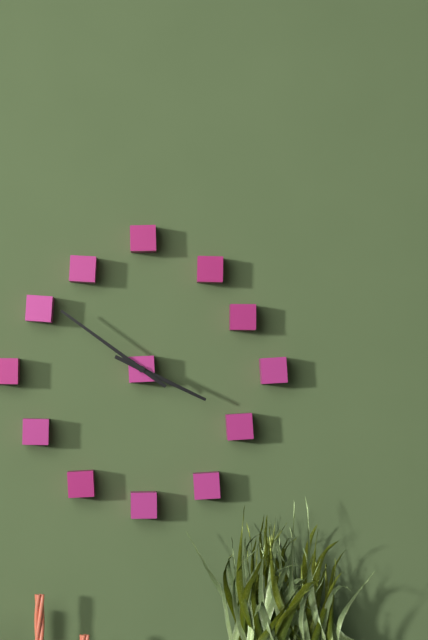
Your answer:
h=3 m=51
